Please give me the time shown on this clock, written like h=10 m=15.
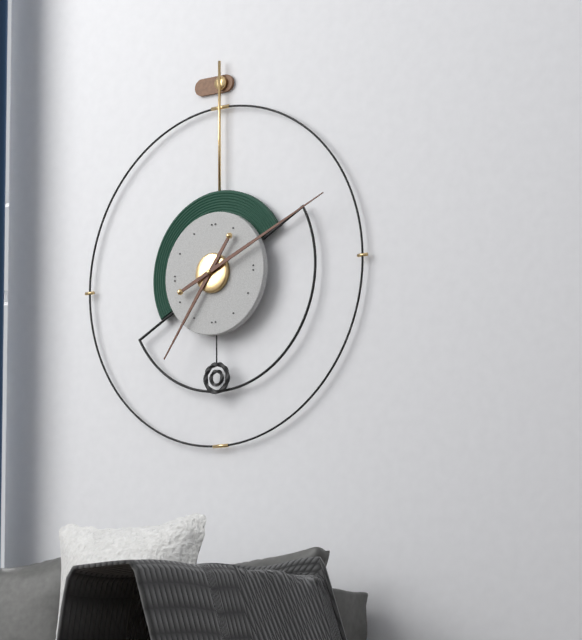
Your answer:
h=7 m=11
